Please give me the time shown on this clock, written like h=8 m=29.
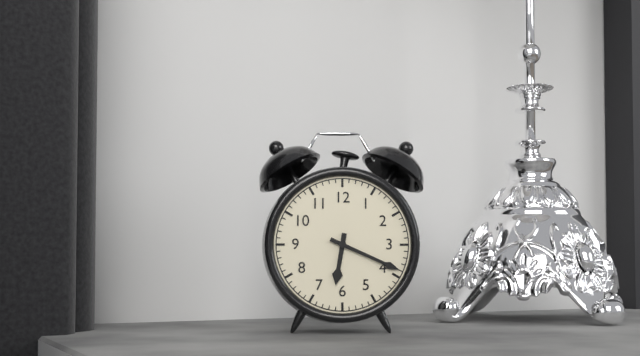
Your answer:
h=6 m=19
